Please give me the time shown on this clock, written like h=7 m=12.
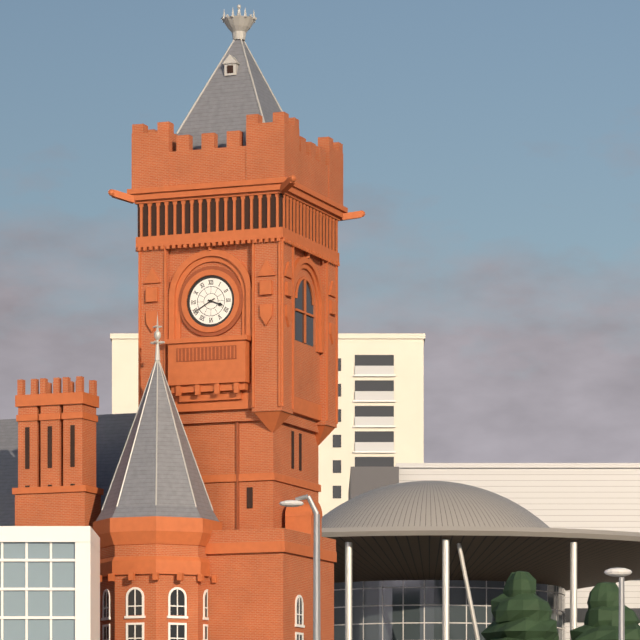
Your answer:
h=3 m=40
